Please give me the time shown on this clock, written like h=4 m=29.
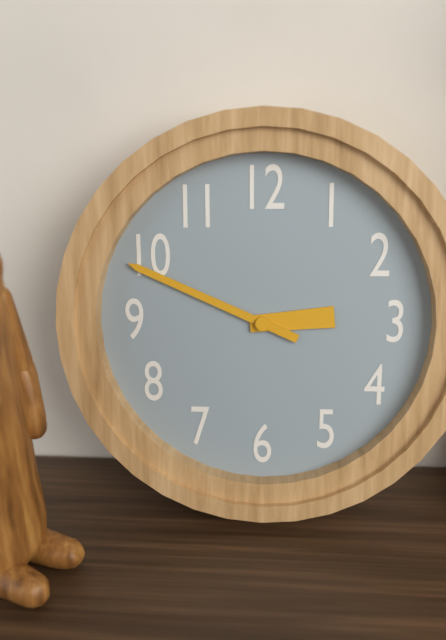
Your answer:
h=2 m=49
